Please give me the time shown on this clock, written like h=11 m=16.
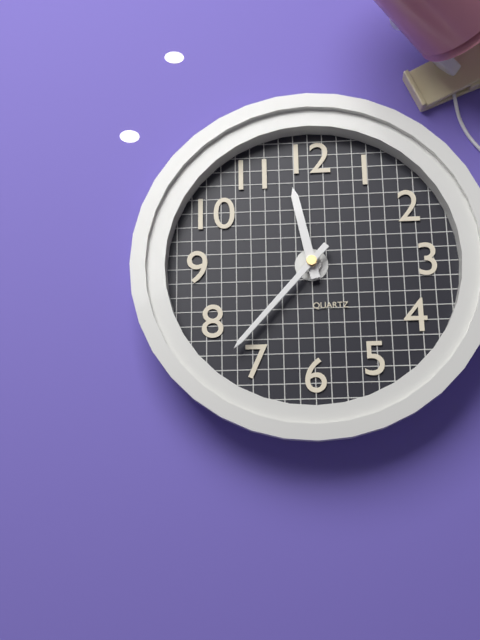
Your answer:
h=11 m=37
